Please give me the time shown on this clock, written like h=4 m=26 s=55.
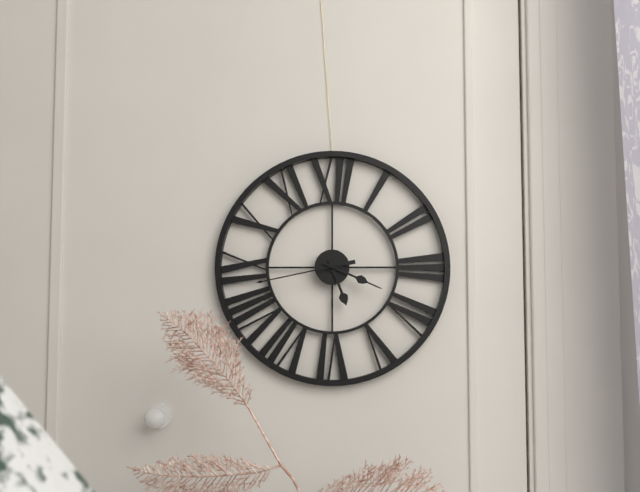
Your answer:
h=5 m=19 s=43
